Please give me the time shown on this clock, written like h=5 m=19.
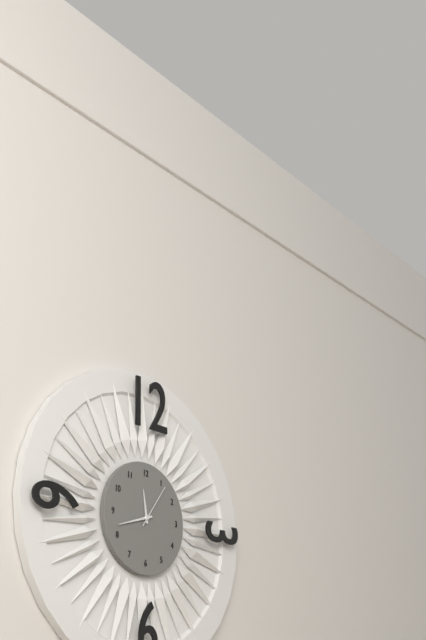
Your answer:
h=11 m=42
